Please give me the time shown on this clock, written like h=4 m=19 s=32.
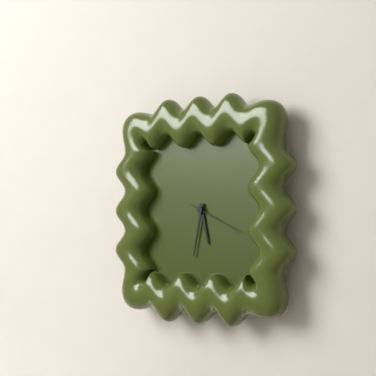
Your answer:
h=5 m=32 s=19
